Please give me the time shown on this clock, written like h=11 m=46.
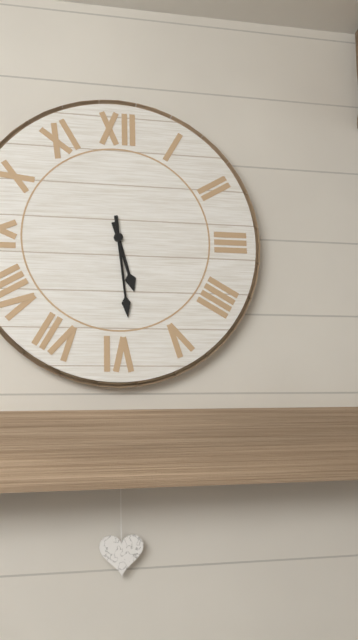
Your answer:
h=5 m=29
